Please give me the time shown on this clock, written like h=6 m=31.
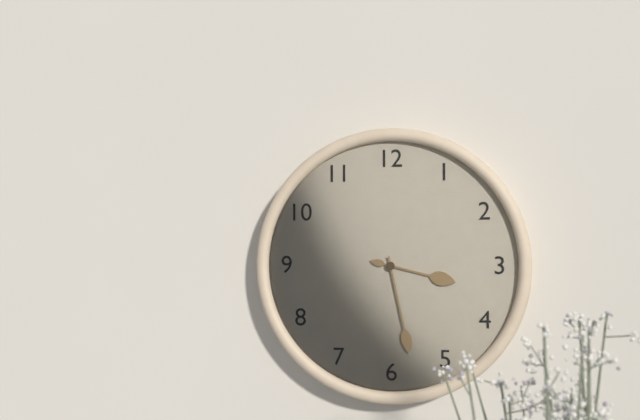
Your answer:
h=3 m=28
